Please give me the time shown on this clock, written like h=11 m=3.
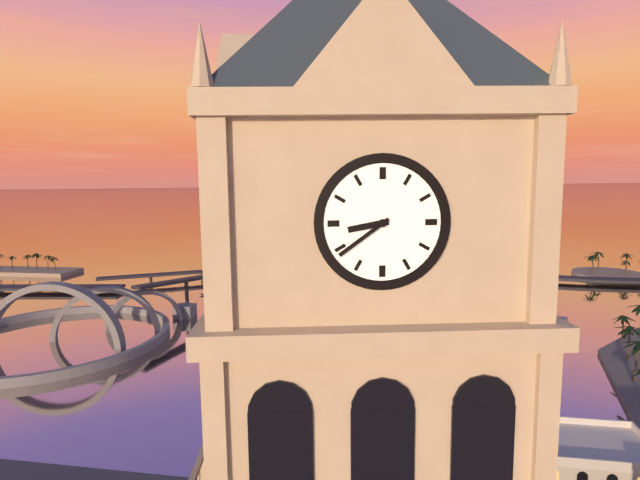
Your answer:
h=8 m=39
